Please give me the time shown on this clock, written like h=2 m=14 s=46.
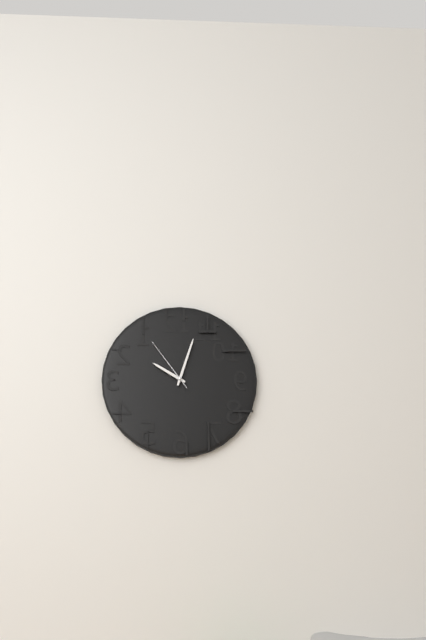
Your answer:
h=10 m=3 s=54
